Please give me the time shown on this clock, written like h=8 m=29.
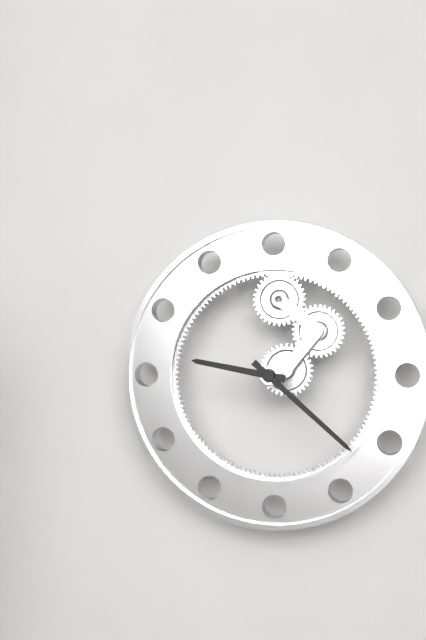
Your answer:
h=9 m=22
